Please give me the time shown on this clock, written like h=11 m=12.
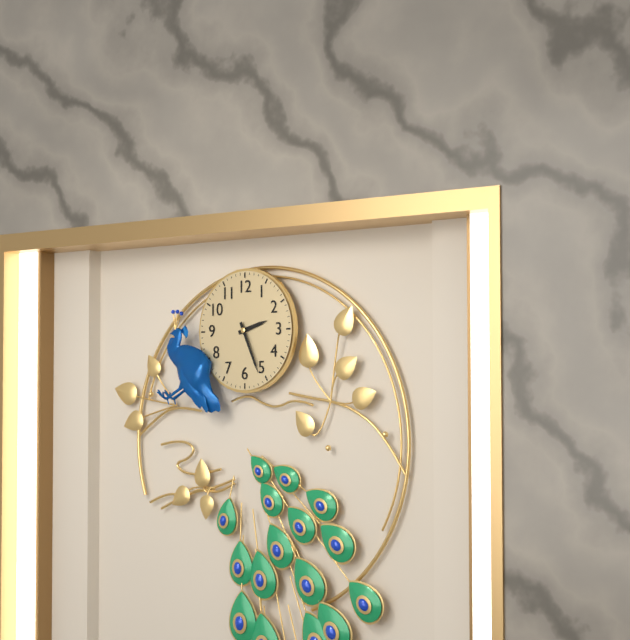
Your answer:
h=2 m=26
